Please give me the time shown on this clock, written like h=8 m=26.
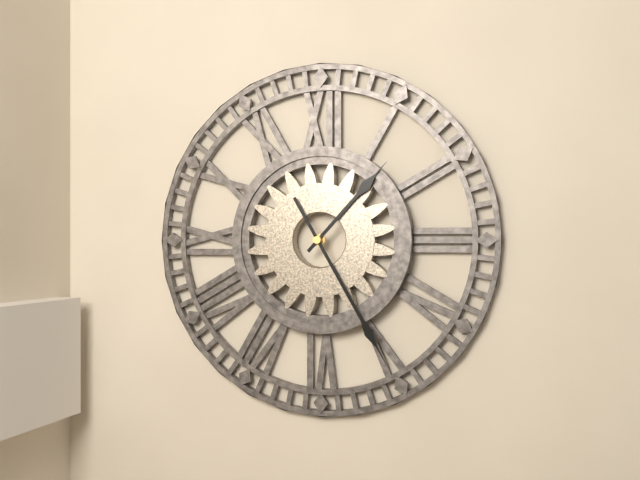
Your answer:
h=1 m=25
